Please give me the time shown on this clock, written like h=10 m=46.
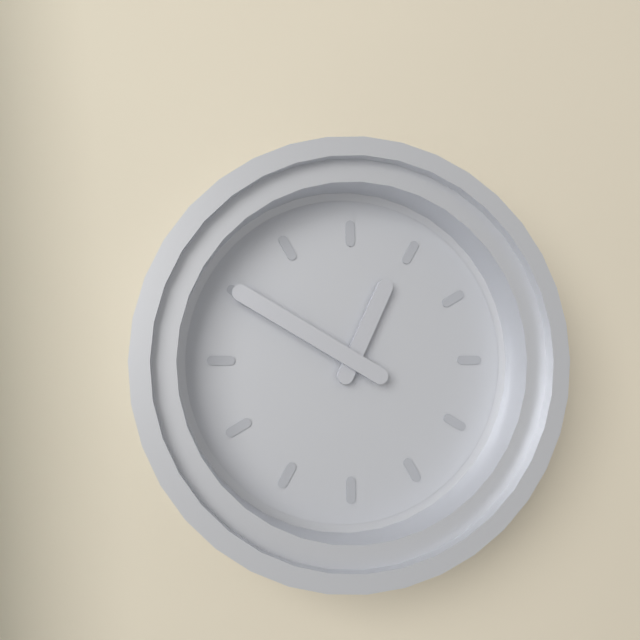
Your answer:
h=12 m=50
